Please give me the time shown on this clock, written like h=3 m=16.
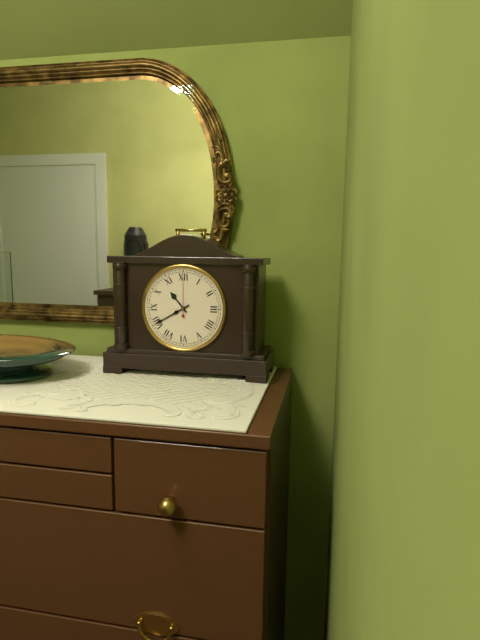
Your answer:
h=10 m=40
